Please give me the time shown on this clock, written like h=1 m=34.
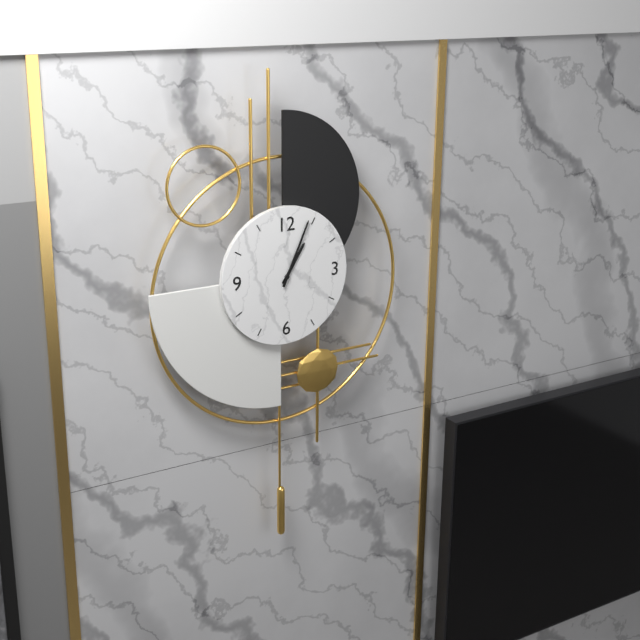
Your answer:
h=1 m=4
